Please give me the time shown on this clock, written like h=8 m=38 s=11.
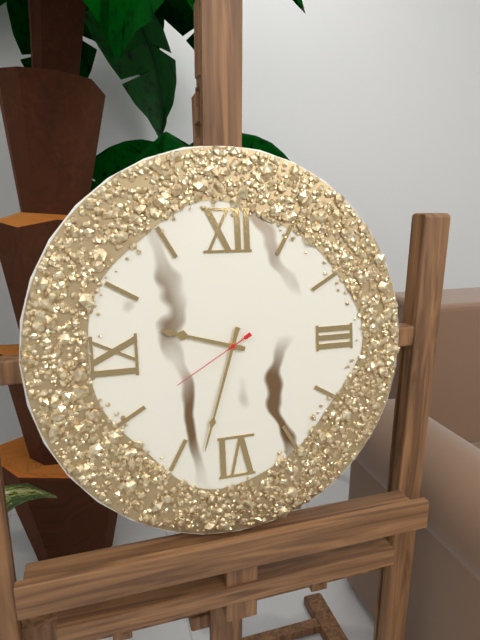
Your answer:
h=9 m=33 s=40
